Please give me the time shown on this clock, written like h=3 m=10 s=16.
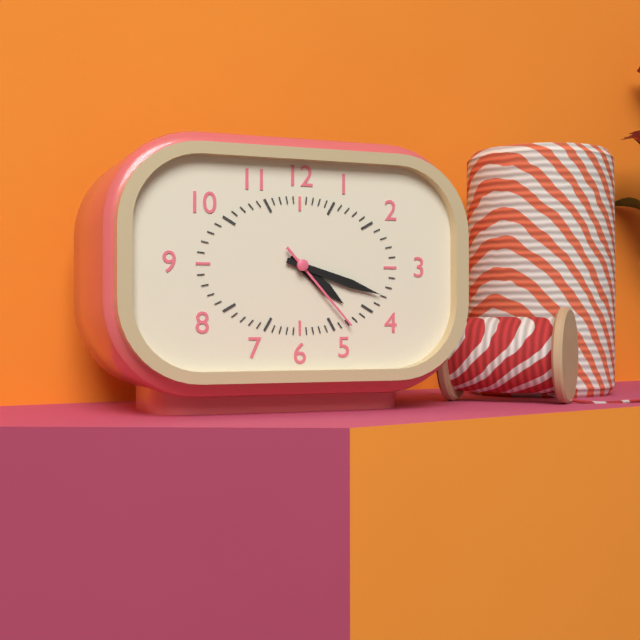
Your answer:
h=4 m=18 s=23
